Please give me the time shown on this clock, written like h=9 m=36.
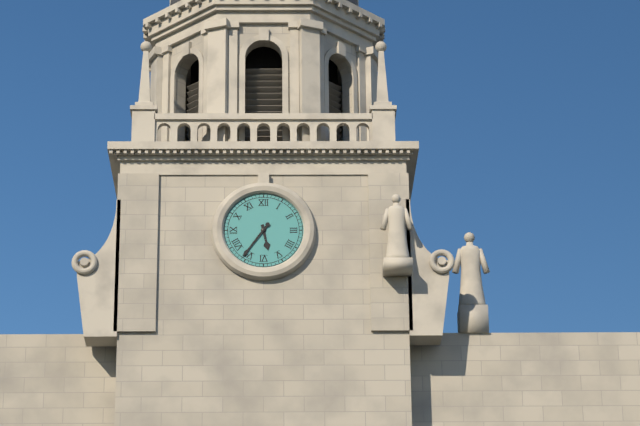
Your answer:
h=5 m=36
